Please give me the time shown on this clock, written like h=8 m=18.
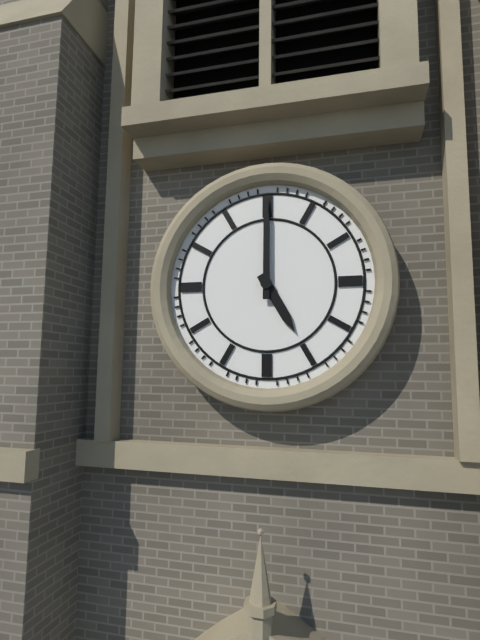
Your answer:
h=5 m=0
